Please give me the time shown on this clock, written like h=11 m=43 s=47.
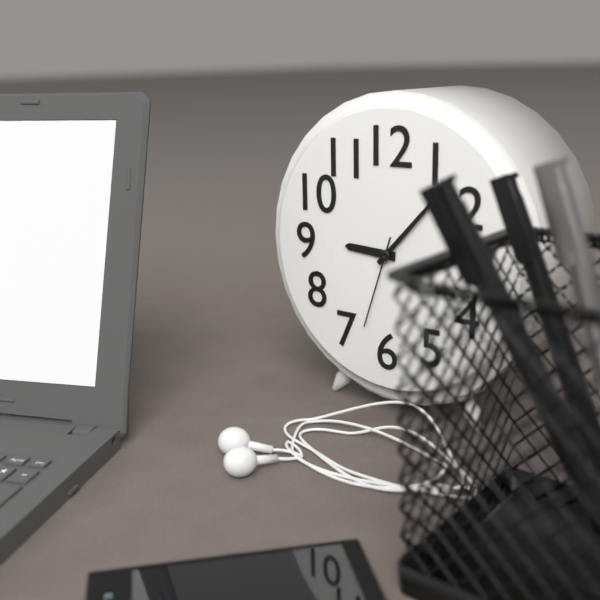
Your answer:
h=9 m=7 s=33
